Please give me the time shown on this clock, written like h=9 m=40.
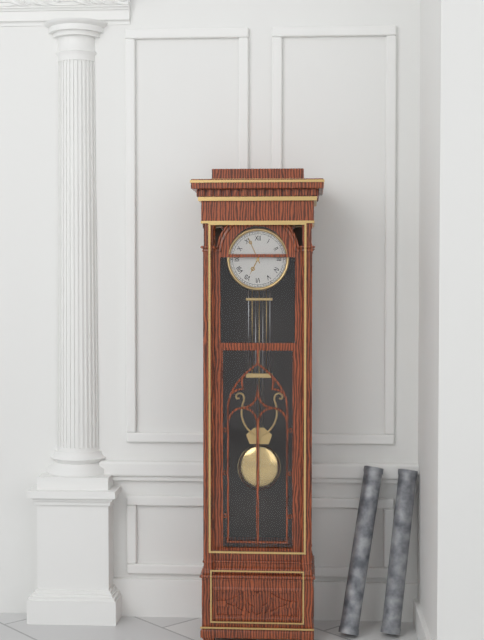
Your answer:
h=6 m=56
